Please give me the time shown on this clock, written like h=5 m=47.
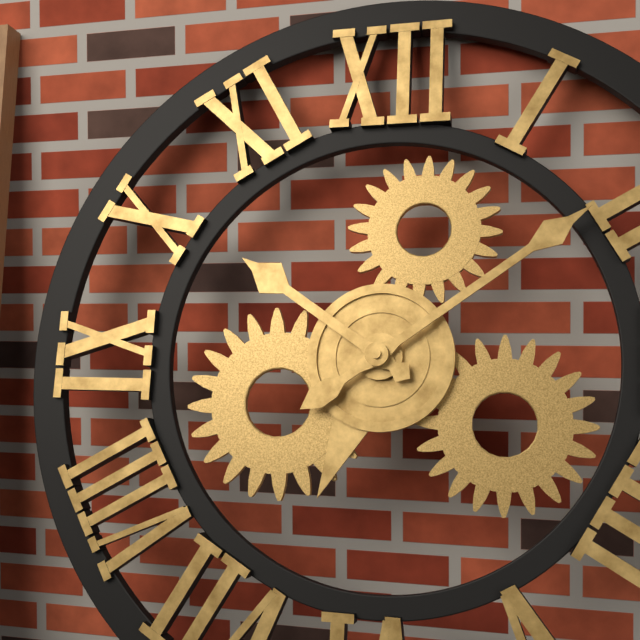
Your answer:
h=10 m=9
